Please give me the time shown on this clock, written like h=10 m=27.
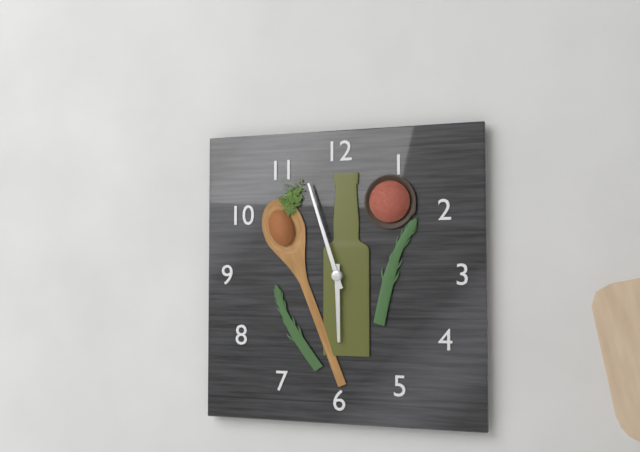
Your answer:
h=5 m=57
